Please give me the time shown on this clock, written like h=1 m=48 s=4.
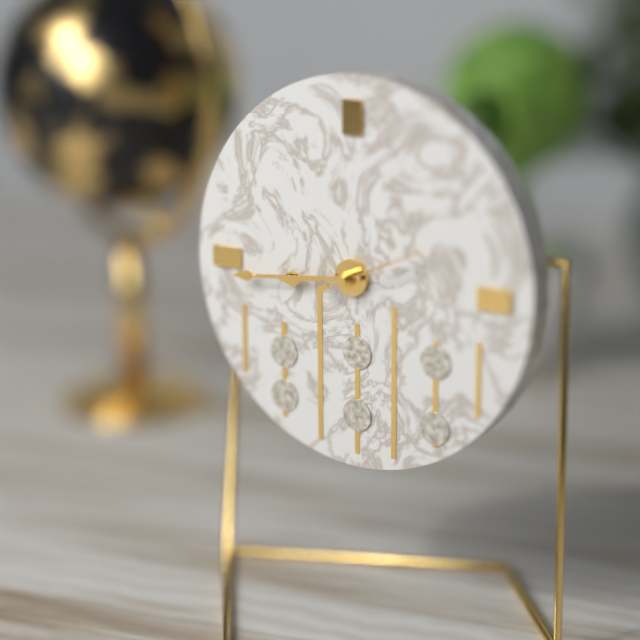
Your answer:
h=8 m=44 s=11
